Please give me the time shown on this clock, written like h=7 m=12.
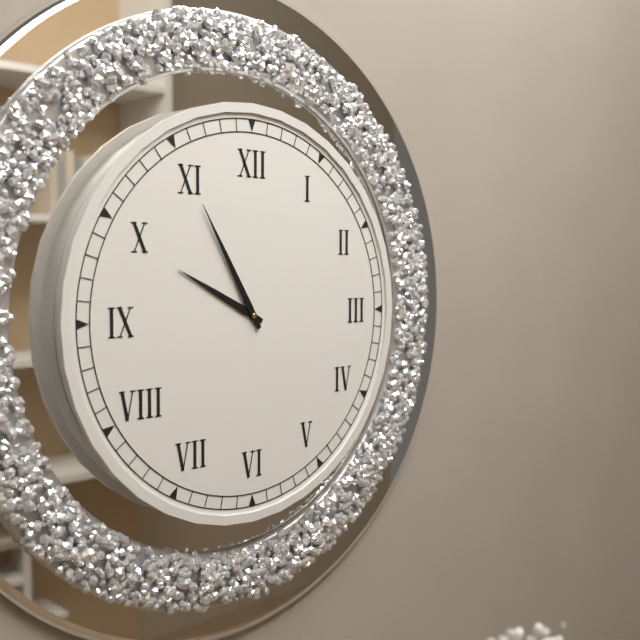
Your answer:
h=9 m=55
